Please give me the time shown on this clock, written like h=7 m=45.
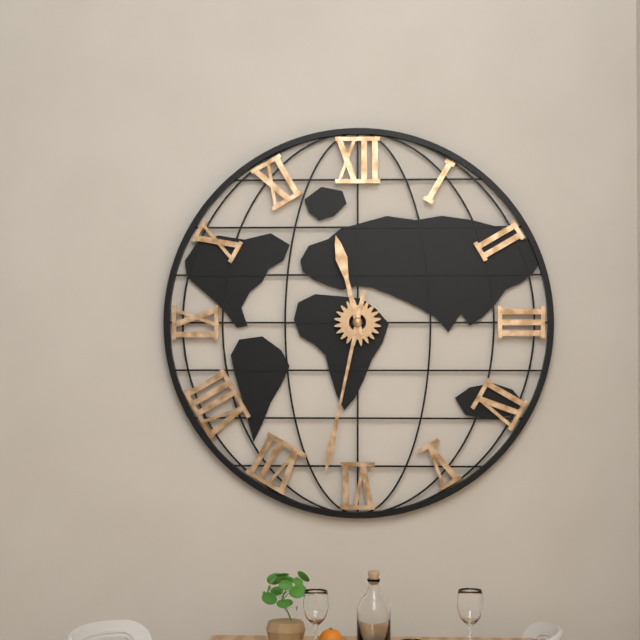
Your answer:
h=11 m=32
